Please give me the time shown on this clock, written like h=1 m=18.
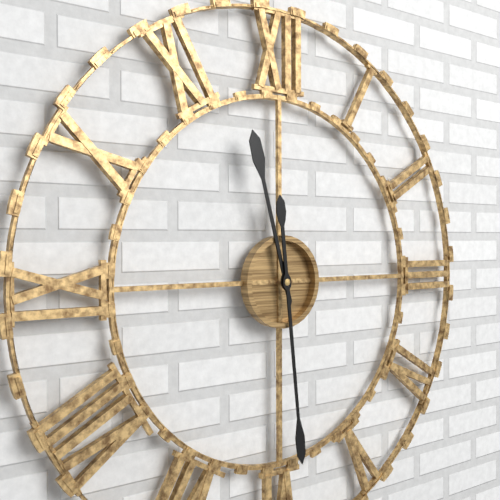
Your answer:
h=11 m=29
